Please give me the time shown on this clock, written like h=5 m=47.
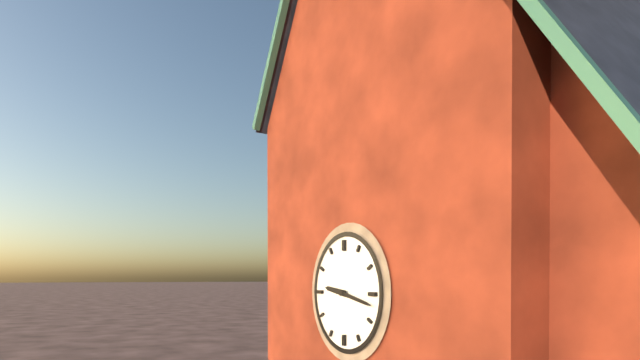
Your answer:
h=9 m=17
